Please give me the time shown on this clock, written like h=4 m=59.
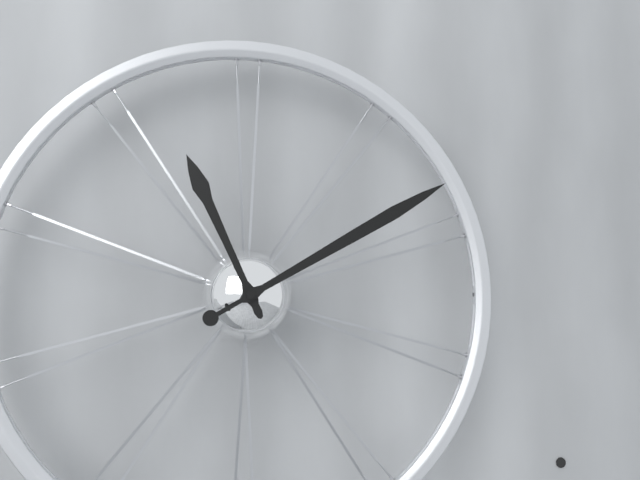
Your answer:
h=11 m=10
